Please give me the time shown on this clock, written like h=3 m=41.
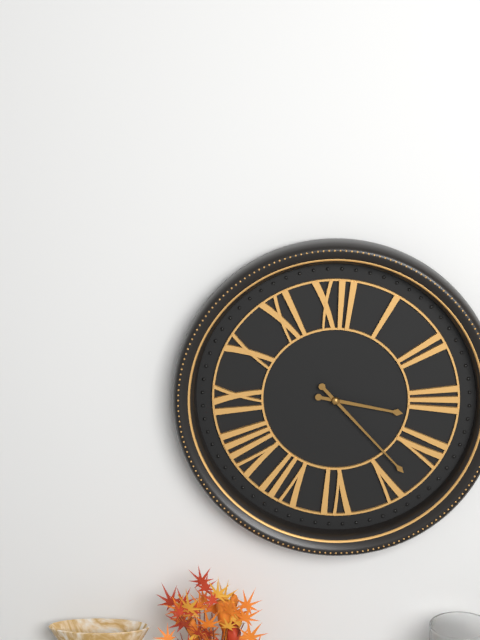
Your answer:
h=3 m=23
